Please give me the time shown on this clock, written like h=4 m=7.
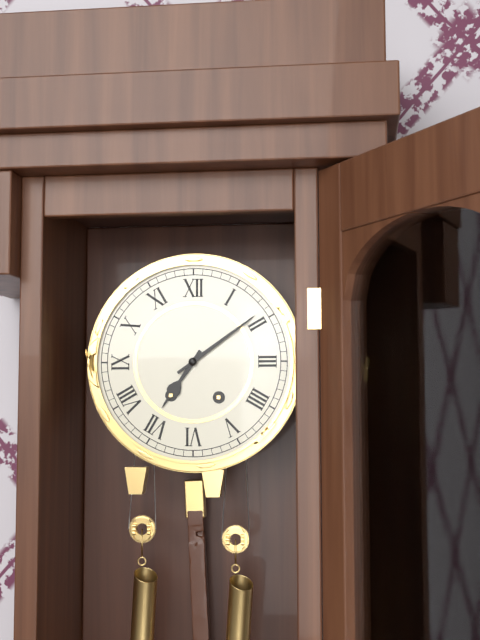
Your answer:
h=7 m=9
